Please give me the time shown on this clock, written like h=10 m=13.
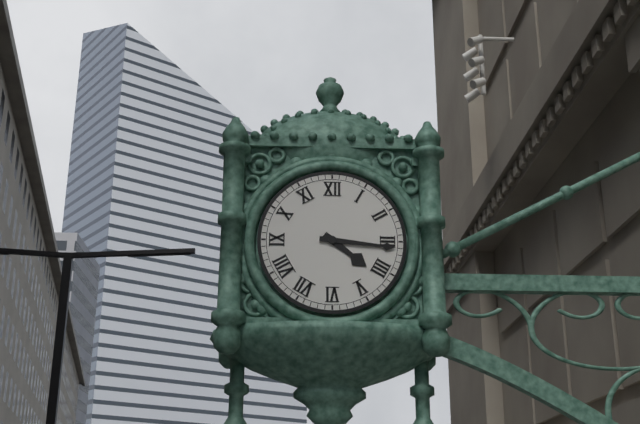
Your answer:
h=4 m=16
